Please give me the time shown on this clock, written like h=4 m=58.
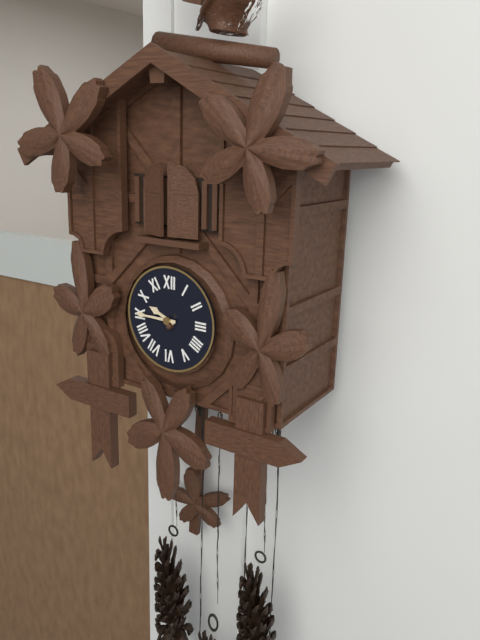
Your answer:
h=9 m=45
